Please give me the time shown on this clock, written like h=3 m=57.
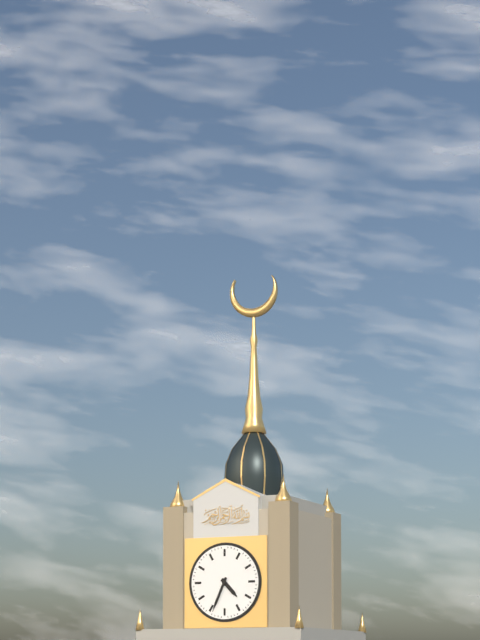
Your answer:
h=4 m=34
